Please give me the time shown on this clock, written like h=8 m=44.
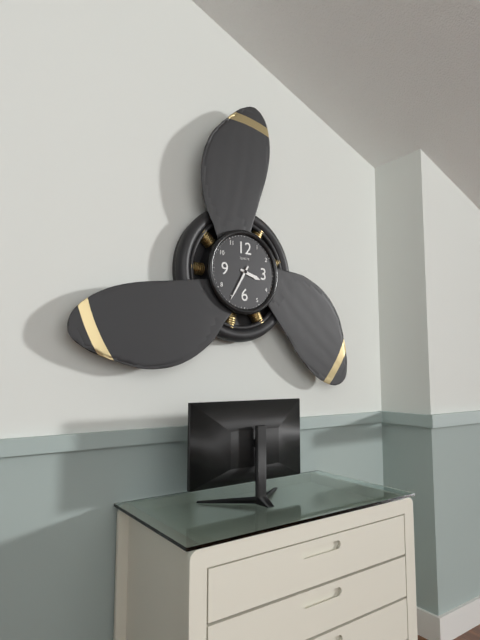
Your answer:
h=3 m=35
